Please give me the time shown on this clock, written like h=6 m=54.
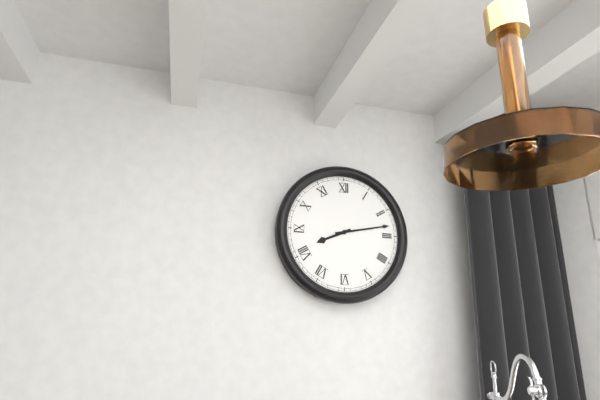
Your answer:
h=8 m=13
